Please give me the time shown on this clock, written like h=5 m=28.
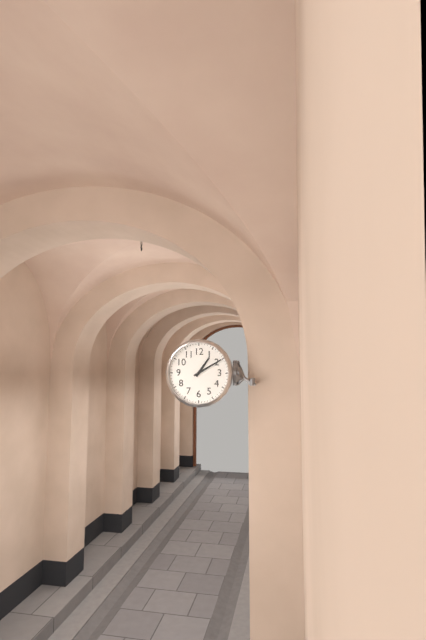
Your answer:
h=1 m=10
